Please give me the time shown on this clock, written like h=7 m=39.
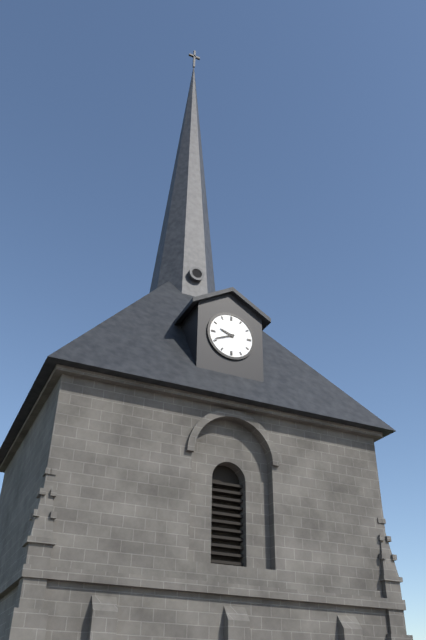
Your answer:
h=9 m=41
